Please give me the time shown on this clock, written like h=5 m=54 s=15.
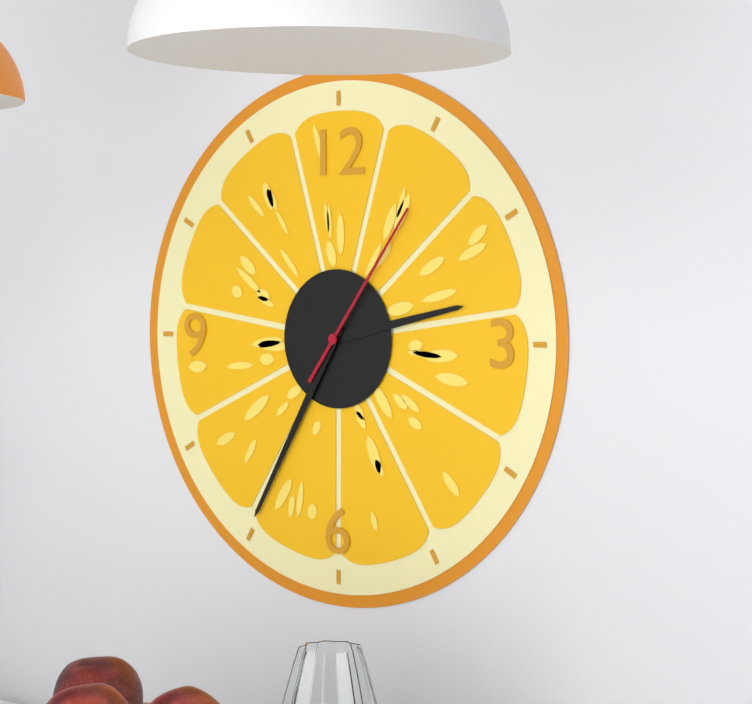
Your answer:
h=2 m=35 s=6
